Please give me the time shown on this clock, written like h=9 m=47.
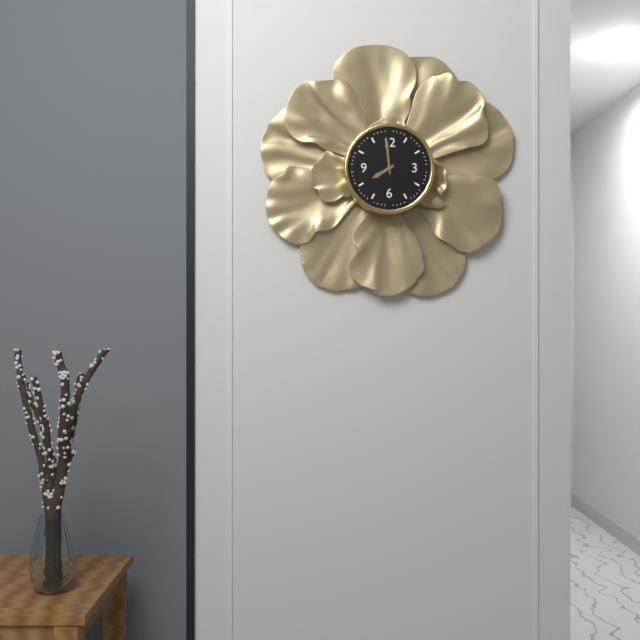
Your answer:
h=7 m=59
